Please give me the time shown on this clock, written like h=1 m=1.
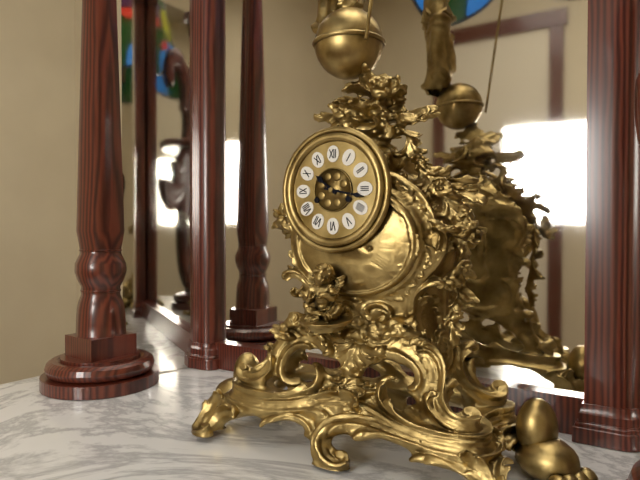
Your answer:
h=10 m=17
